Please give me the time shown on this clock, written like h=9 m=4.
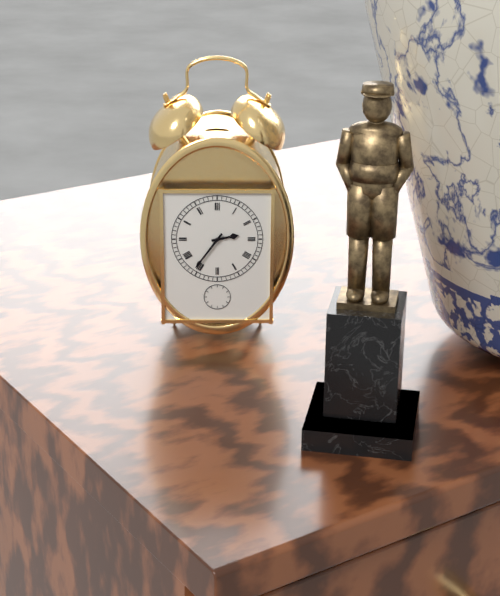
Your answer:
h=2 m=36
